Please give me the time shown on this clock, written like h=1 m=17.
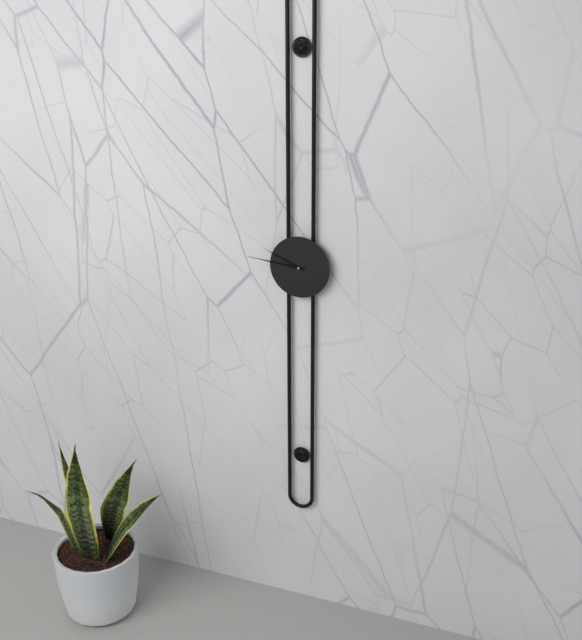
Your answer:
h=9 m=46
